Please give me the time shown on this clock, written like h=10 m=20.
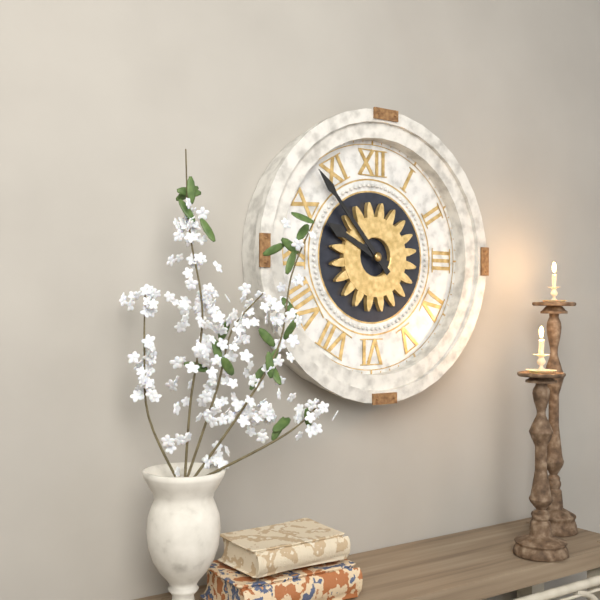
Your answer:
h=9 m=53
